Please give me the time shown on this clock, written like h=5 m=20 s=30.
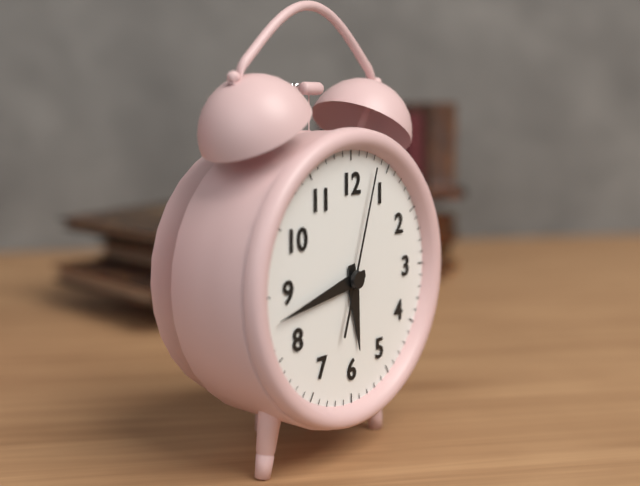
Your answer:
h=5 m=43 s=3
